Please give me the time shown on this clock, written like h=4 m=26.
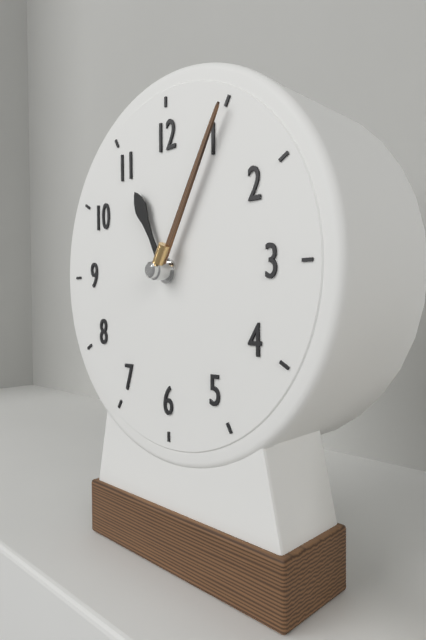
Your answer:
h=11 m=5
